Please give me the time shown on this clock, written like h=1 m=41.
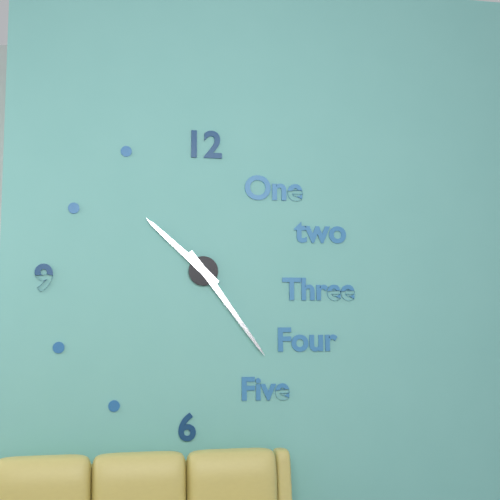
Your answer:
h=10 m=24
